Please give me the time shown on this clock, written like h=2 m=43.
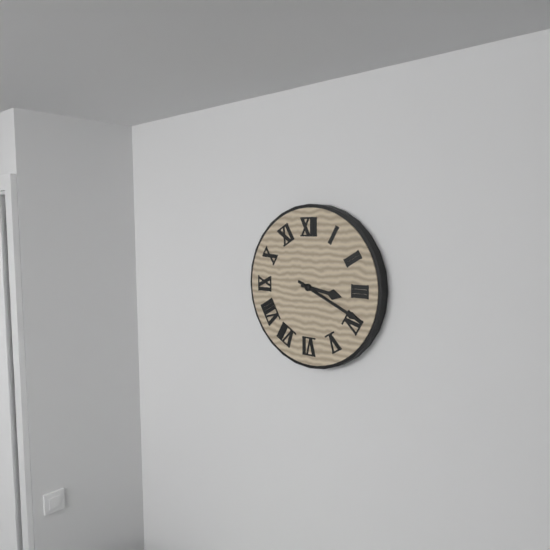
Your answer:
h=3 m=19
